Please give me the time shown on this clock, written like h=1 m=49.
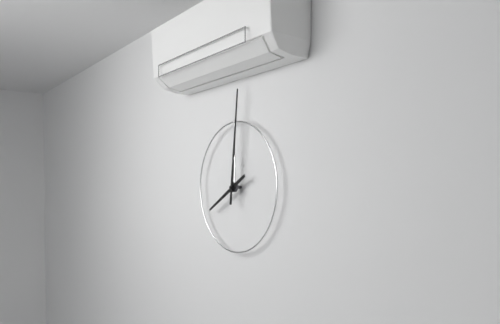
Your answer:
h=8 m=1
